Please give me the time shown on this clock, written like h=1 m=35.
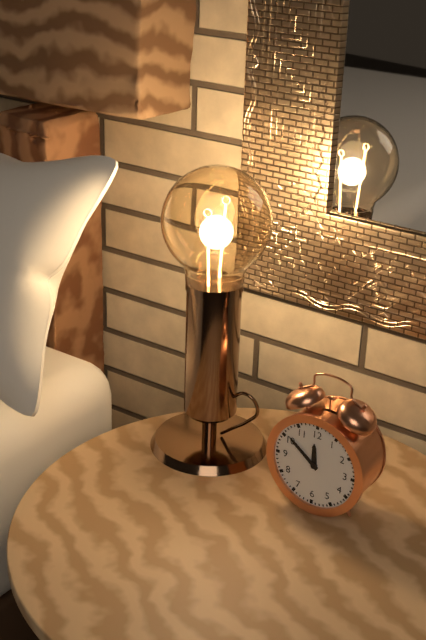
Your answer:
h=11 m=51
